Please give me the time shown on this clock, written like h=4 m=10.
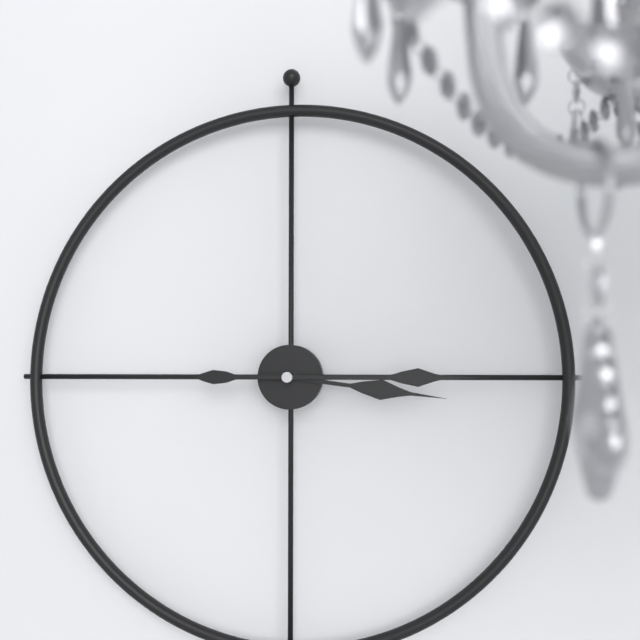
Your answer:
h=3 m=15
